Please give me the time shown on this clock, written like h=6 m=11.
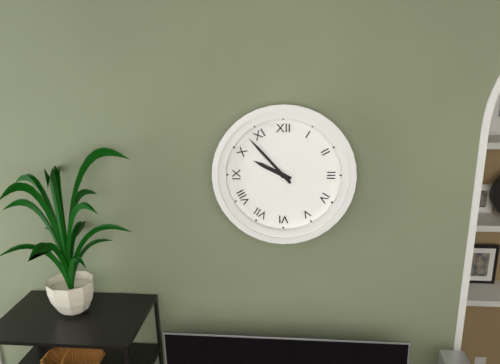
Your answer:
h=9 m=53
